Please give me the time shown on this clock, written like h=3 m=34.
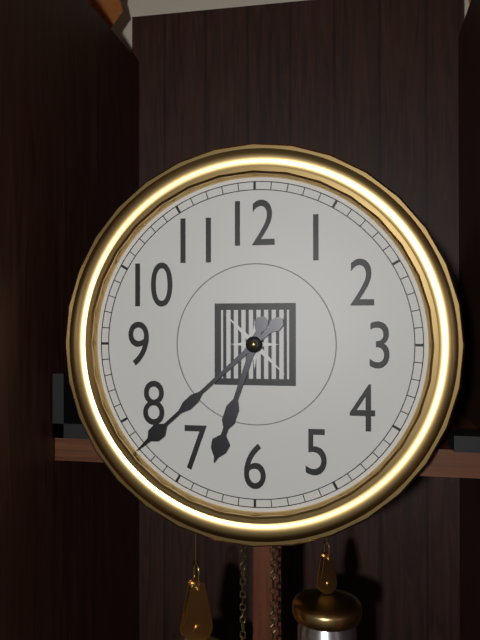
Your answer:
h=6 m=38
